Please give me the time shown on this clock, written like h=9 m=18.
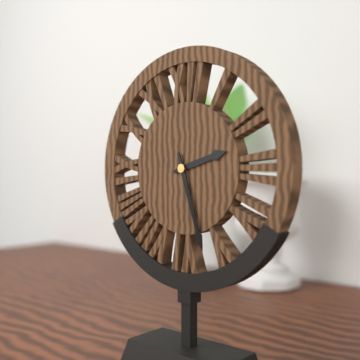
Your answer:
h=2 m=27
